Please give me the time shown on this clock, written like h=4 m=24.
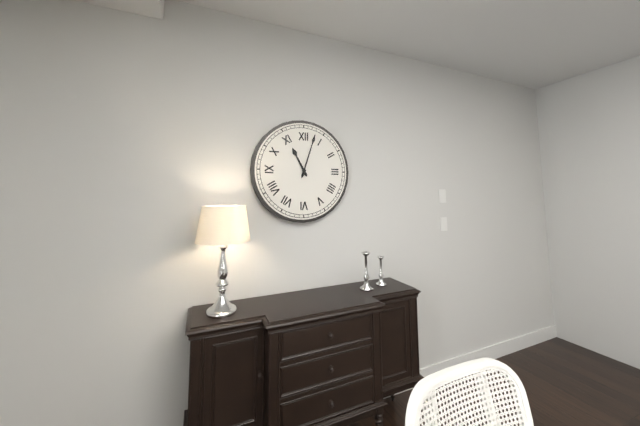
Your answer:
h=11 m=3
